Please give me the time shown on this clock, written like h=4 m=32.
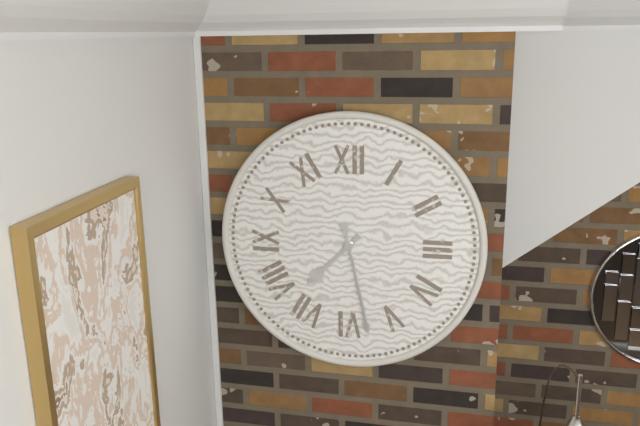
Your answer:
h=7 m=28
